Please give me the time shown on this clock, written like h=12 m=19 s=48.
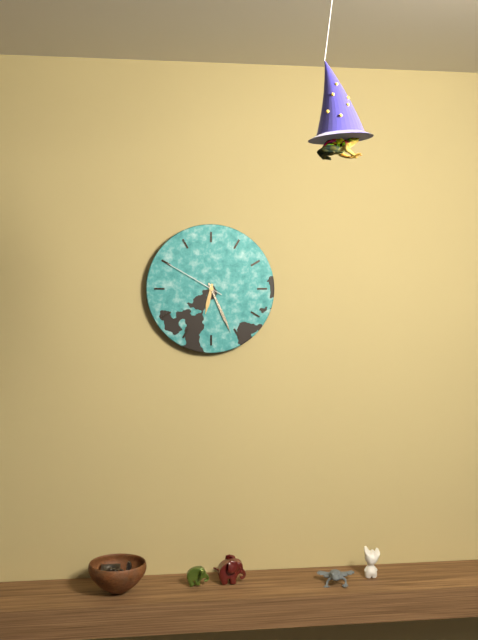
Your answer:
h=6 m=26 s=50
